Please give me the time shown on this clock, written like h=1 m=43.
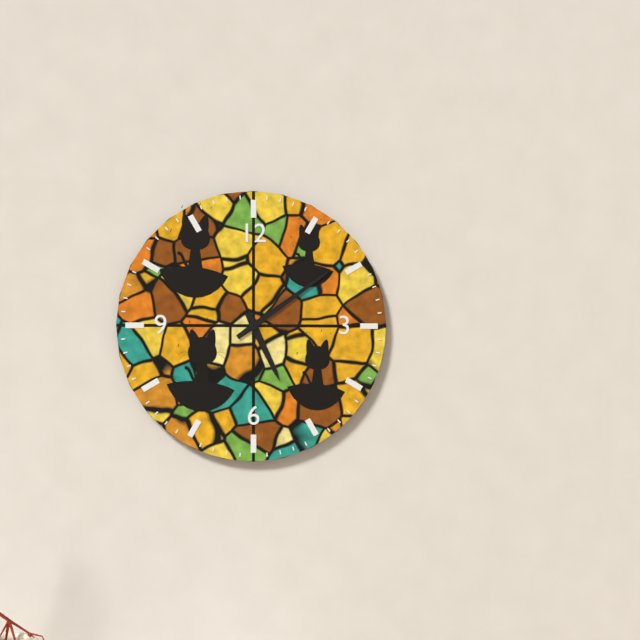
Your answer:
h=5 m=9
